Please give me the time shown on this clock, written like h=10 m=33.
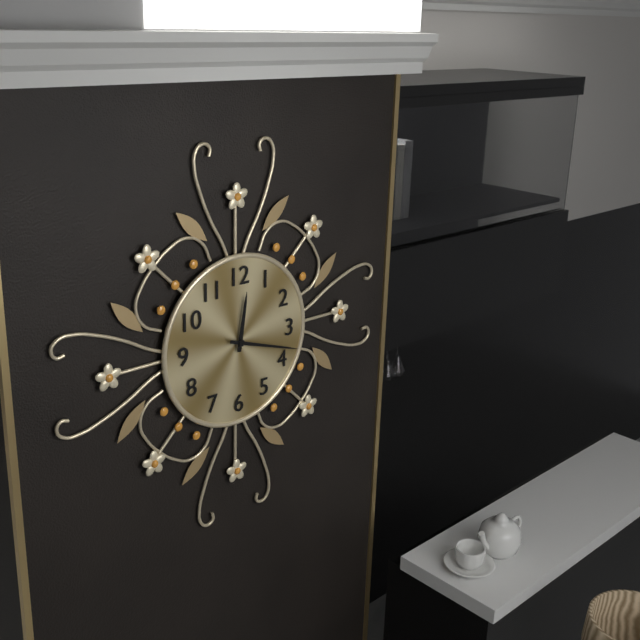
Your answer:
h=12 m=18
